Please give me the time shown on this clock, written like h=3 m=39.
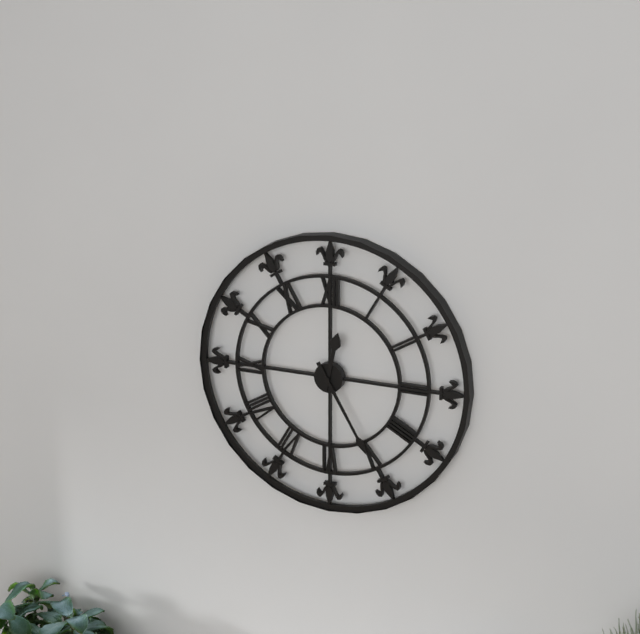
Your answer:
h=12 m=25
